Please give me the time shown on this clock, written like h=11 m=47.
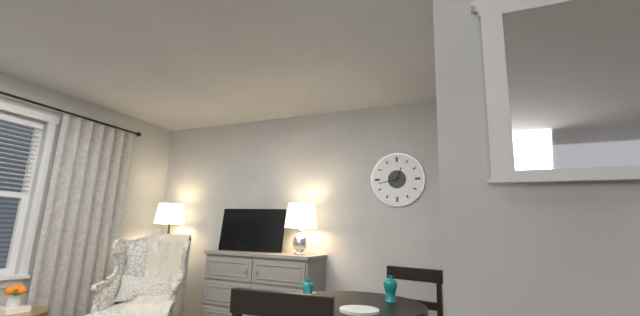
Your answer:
h=12 m=43
